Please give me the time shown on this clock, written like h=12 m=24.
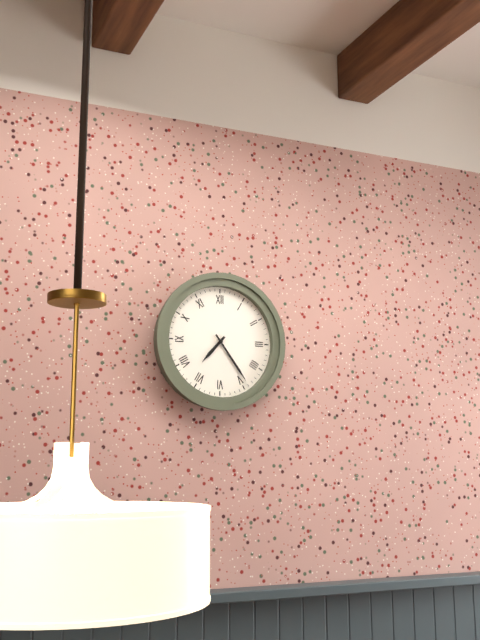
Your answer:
h=7 m=24
